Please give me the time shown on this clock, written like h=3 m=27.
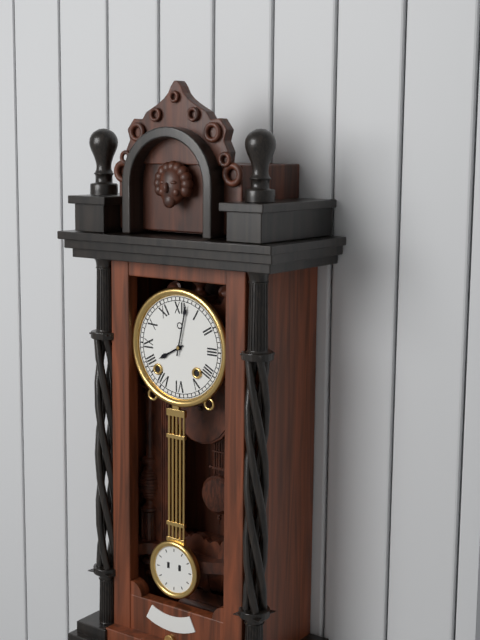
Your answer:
h=8 m=2
